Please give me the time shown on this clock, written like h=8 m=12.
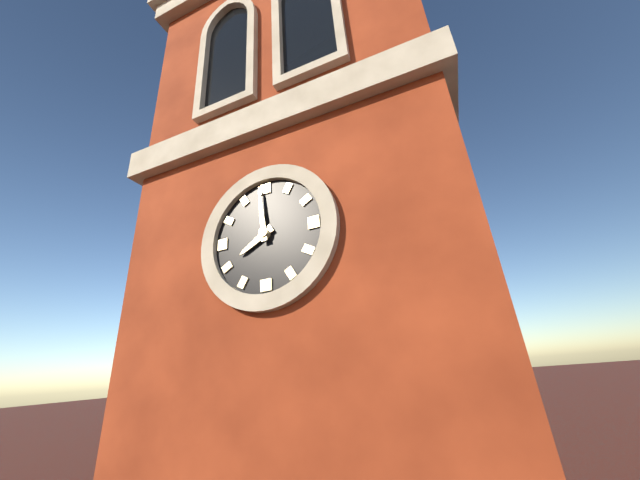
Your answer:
h=7 m=59
